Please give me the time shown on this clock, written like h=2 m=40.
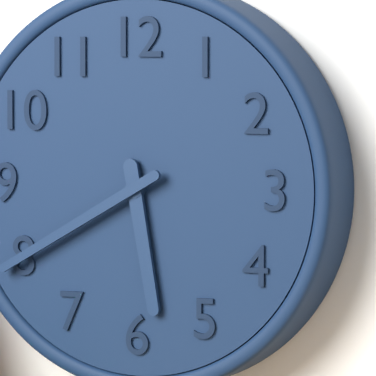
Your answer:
h=5 m=40
